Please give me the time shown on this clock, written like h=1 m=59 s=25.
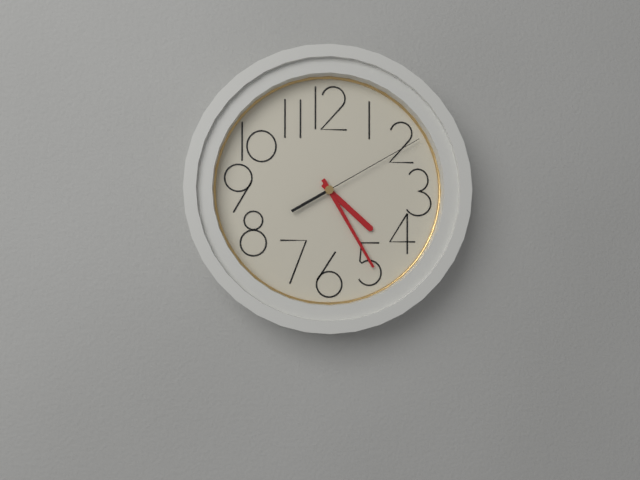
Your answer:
h=4 m=25 s=10
